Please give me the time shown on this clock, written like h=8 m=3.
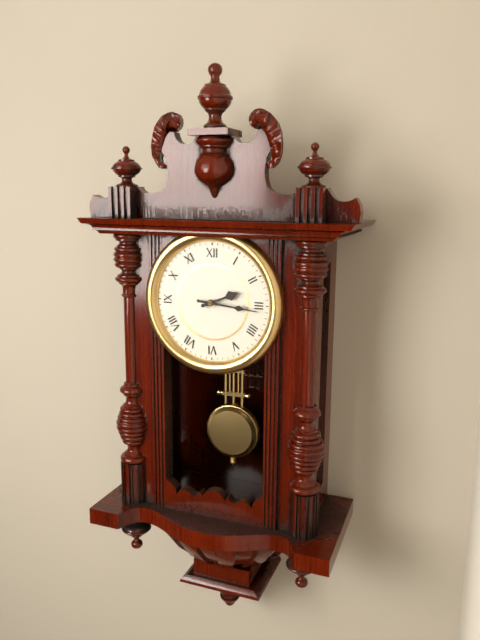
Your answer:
h=2 m=16
